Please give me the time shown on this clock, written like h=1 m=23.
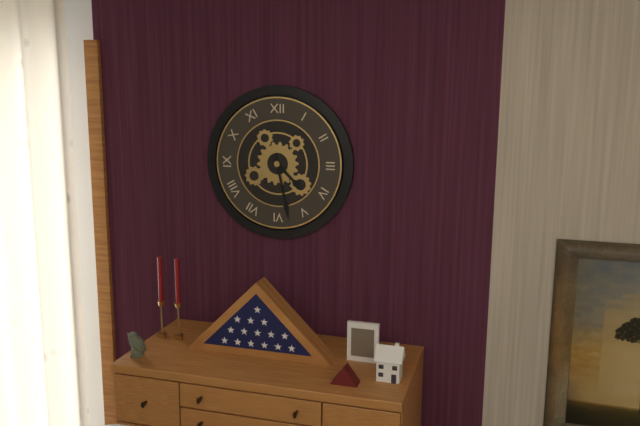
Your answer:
h=4 m=28
